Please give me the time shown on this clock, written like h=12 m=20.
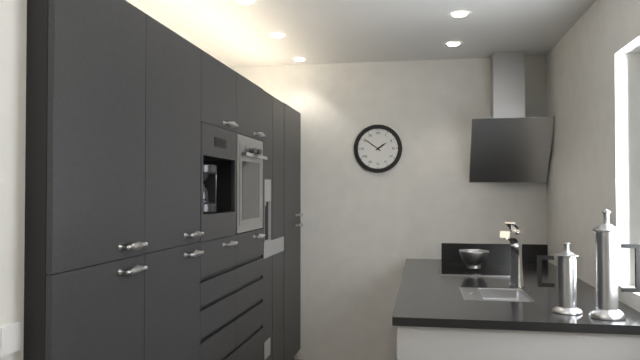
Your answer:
h=1 m=51
